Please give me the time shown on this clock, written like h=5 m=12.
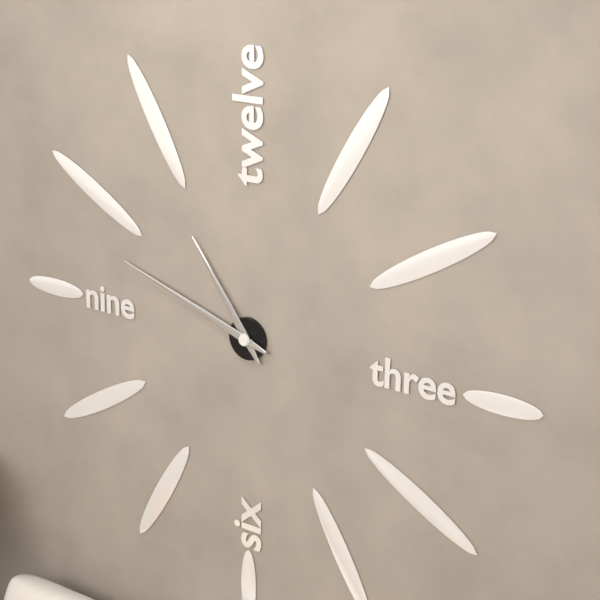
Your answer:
h=10 m=48
